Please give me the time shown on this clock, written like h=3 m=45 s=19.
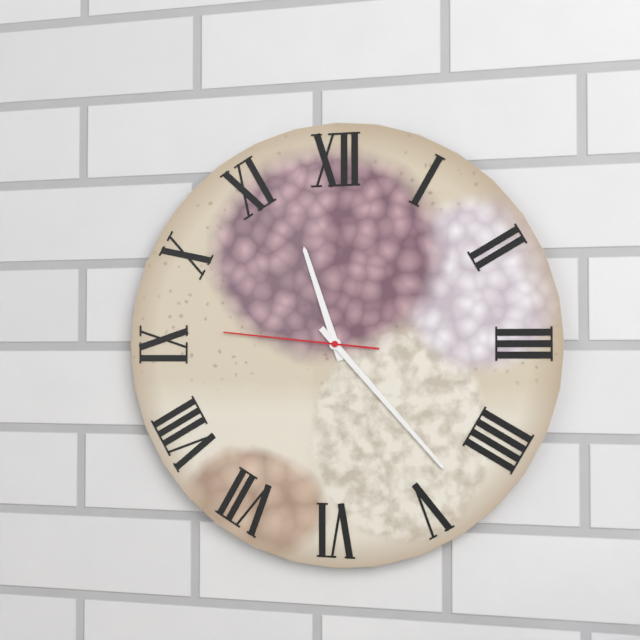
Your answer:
h=11 m=23 s=46
